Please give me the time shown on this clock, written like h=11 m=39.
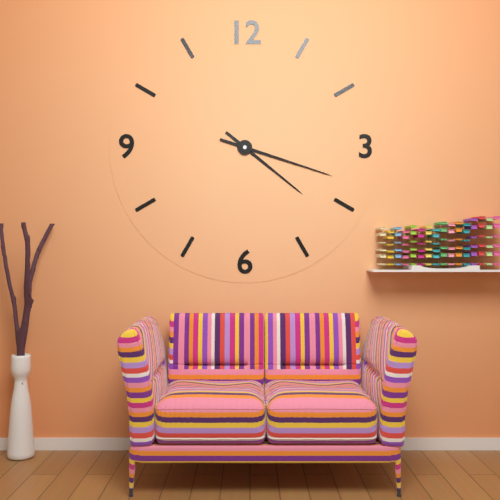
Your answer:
h=4 m=18
